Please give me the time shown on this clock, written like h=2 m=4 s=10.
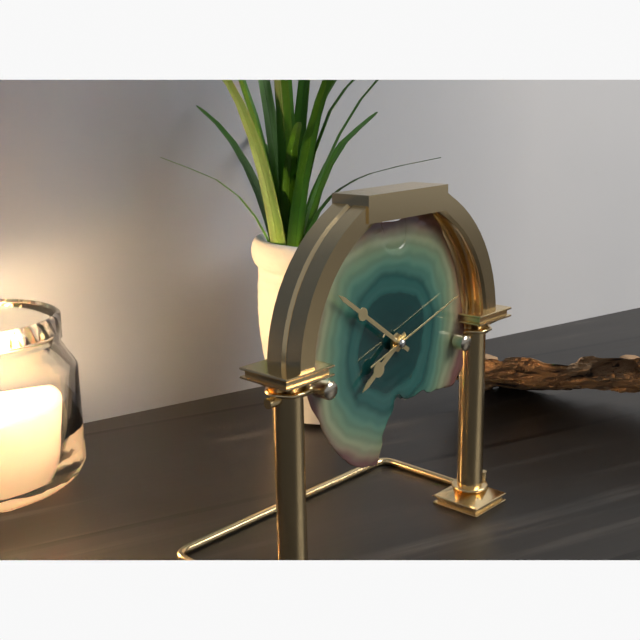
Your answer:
h=7 m=51 s=12
